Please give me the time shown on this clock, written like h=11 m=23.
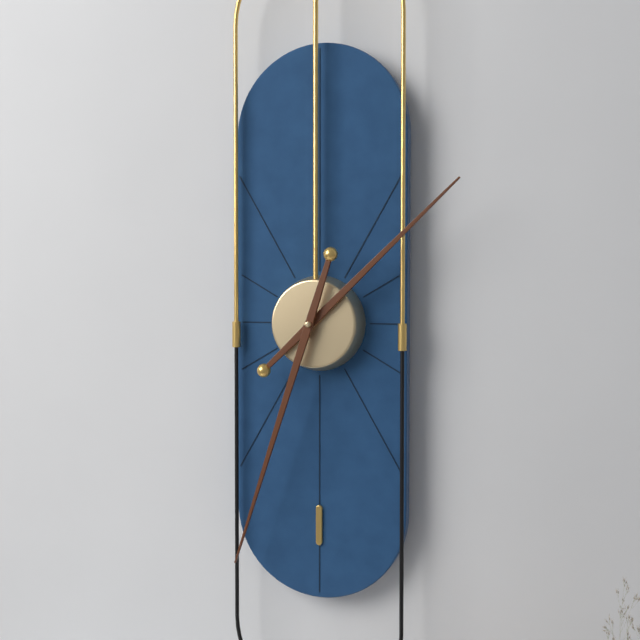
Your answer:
h=1 m=33
